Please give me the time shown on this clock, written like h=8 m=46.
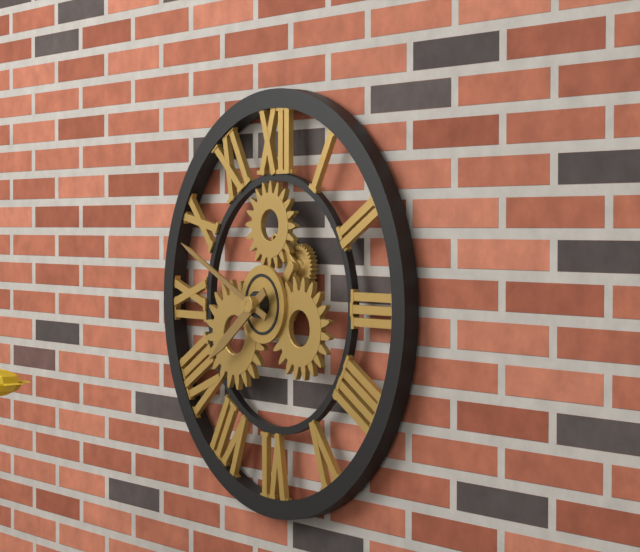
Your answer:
h=7 m=49
